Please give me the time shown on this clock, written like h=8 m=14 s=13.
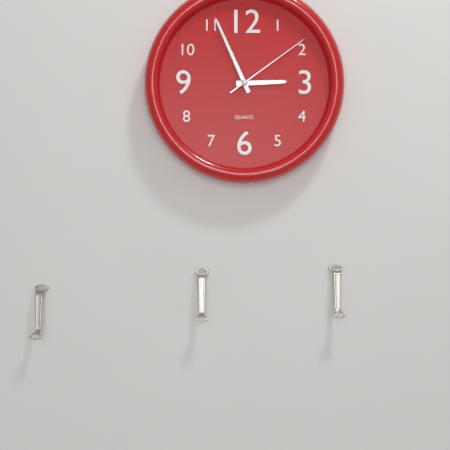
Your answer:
h=2 m=56 s=9
